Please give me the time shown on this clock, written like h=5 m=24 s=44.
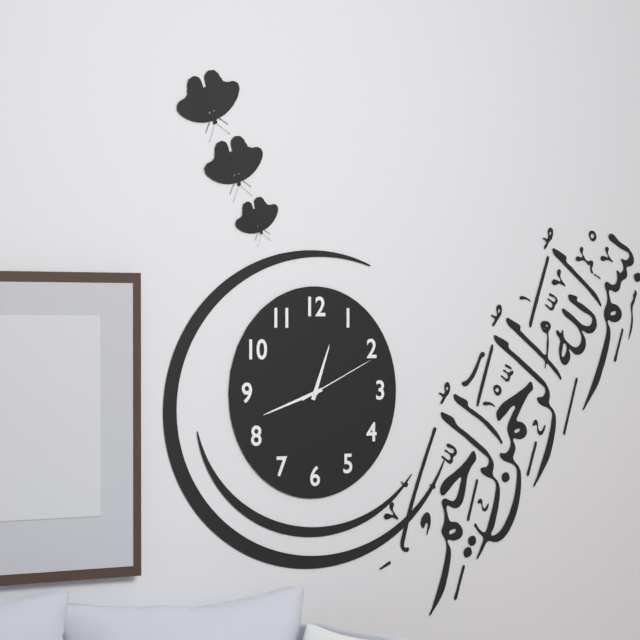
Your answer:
h=12 m=42 s=11
